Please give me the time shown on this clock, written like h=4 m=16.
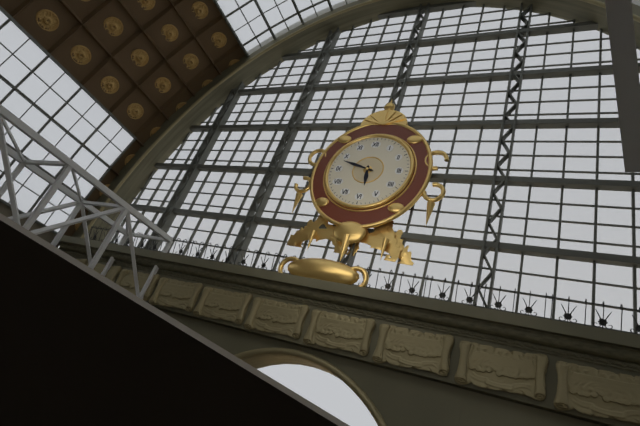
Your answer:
h=5 m=48
